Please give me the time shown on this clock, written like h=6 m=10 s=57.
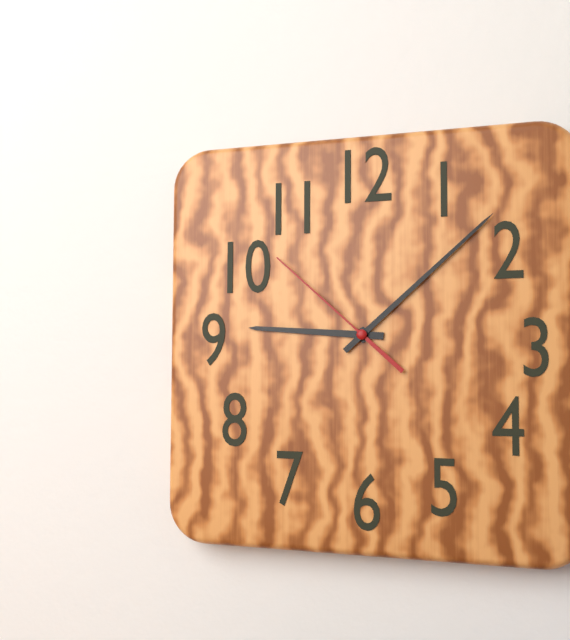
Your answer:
h=9 m=8 s=52
